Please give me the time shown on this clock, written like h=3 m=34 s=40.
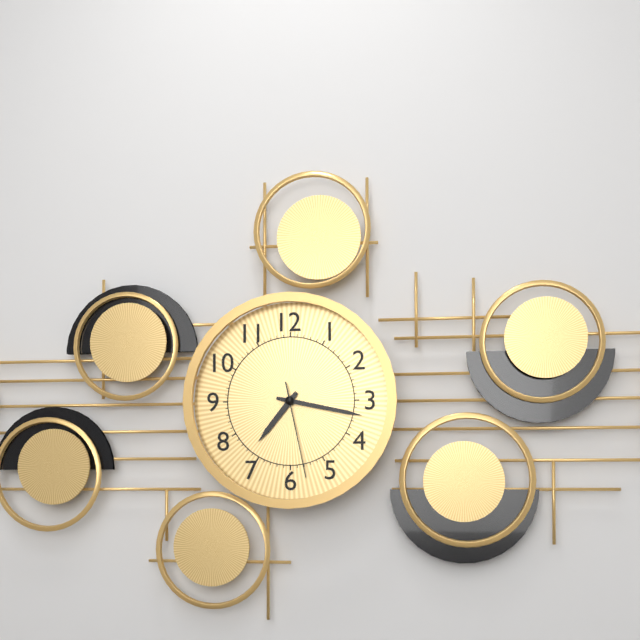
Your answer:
h=7 m=17 s=28
